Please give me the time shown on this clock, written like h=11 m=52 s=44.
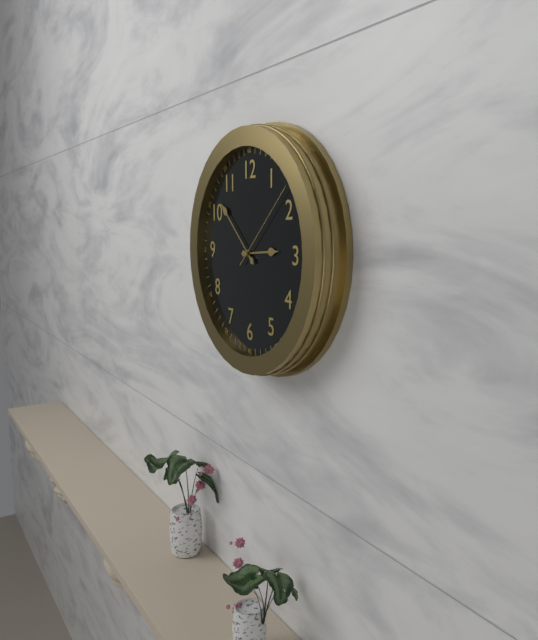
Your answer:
h=2 m=52 s=8
